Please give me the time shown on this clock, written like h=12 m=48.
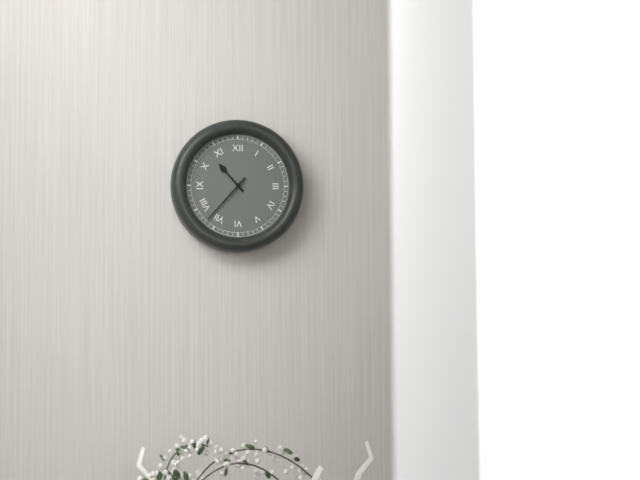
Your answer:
h=10 m=37
